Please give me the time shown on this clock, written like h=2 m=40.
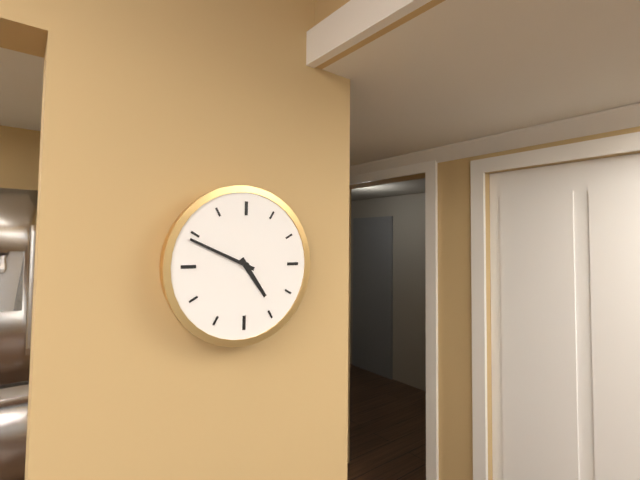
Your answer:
h=4 m=49
